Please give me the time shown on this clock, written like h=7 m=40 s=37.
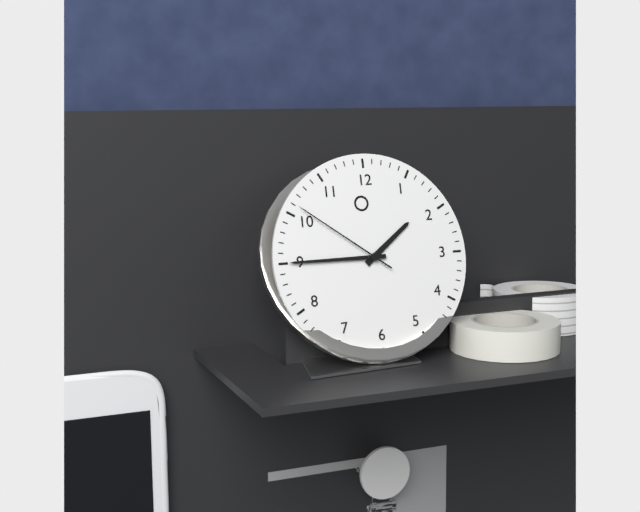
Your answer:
h=1 m=45 s=51
